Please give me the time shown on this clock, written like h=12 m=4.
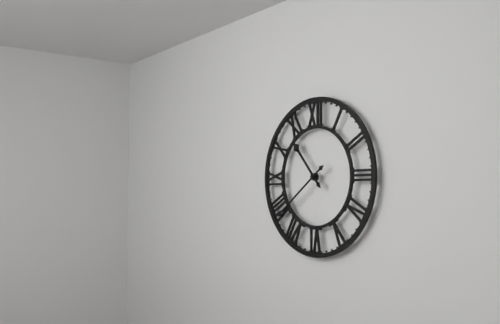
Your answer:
h=10 m=39
